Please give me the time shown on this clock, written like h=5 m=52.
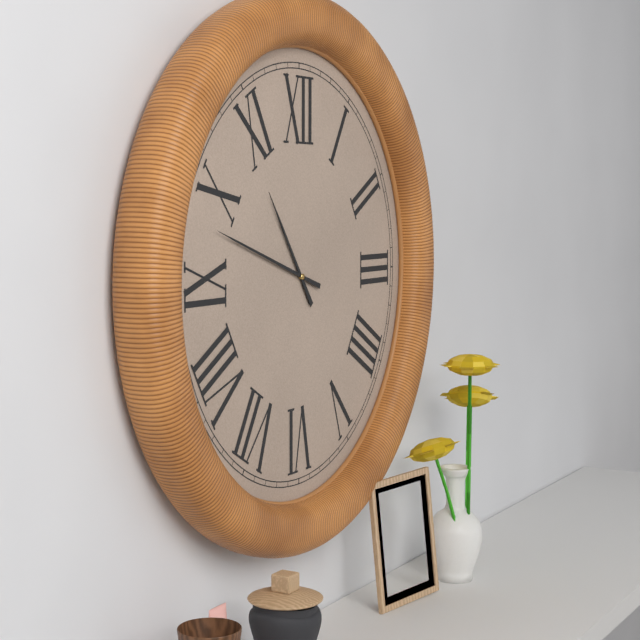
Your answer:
h=10 m=48
